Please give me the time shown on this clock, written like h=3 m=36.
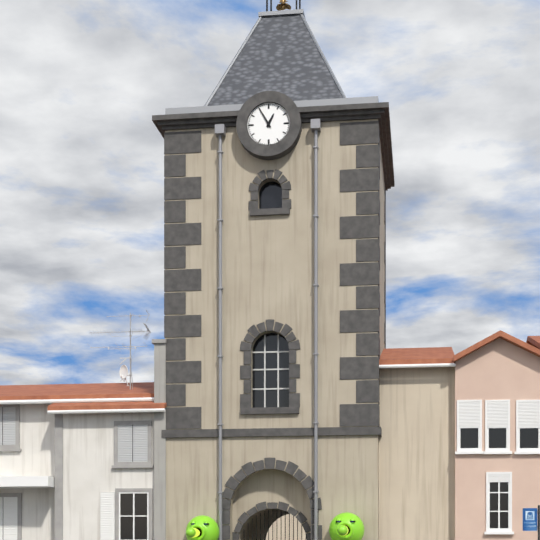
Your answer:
h=12 m=55
